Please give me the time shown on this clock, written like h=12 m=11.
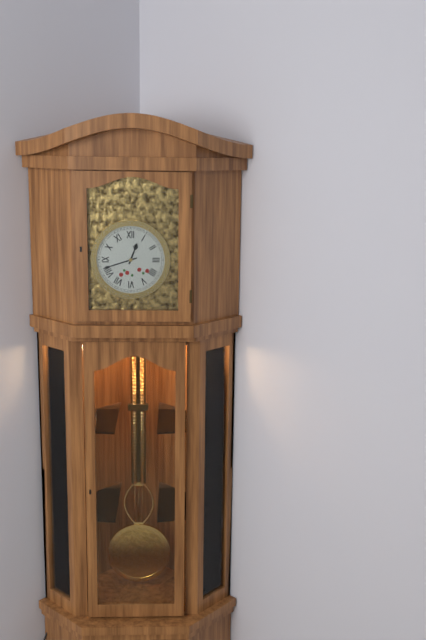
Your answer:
h=12 m=42
